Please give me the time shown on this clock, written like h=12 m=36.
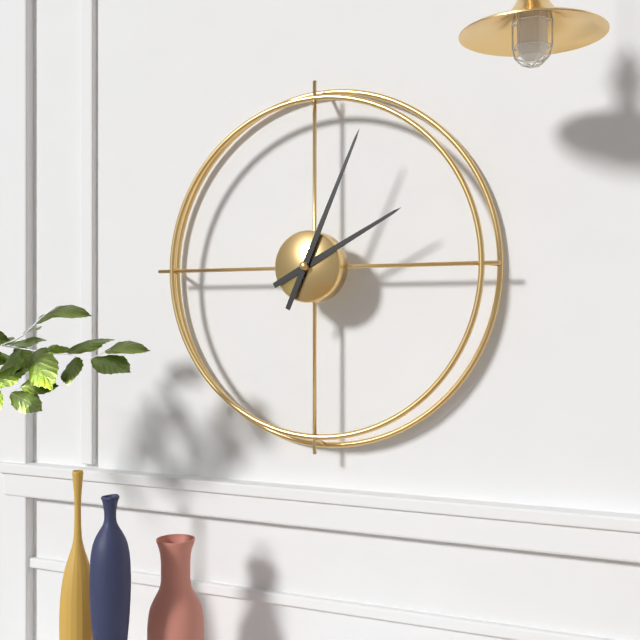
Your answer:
h=2 m=4
